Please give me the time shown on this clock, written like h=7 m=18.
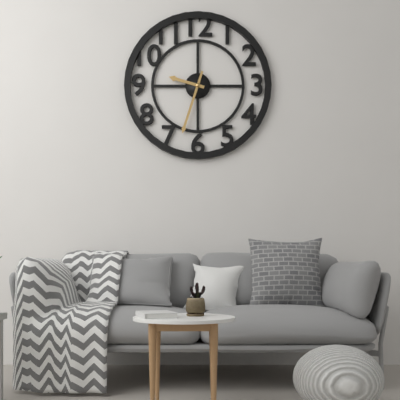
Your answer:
h=9 m=33
